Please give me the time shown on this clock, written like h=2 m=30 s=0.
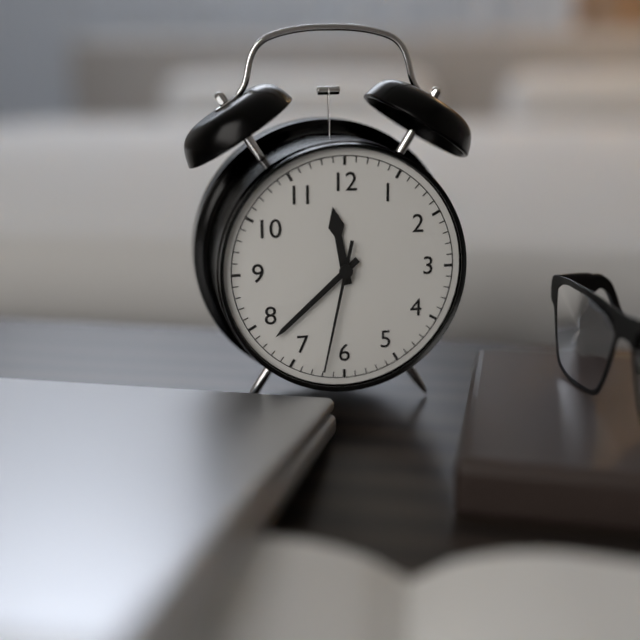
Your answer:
h=11 m=38 s=32
